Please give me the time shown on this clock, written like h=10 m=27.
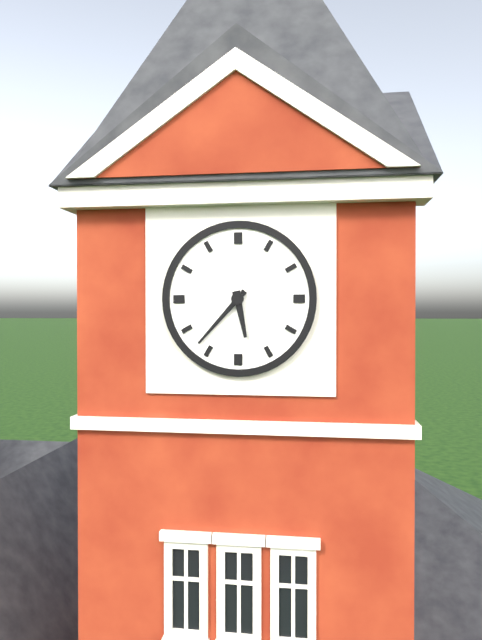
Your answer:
h=5 m=37
